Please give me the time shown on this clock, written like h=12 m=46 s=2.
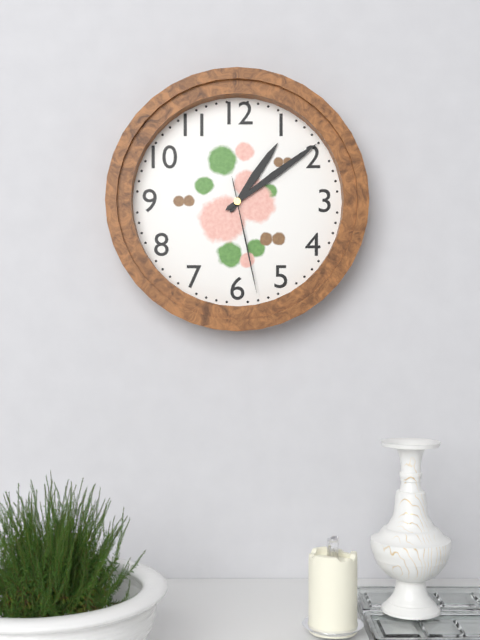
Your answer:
h=1 m=9 s=28
